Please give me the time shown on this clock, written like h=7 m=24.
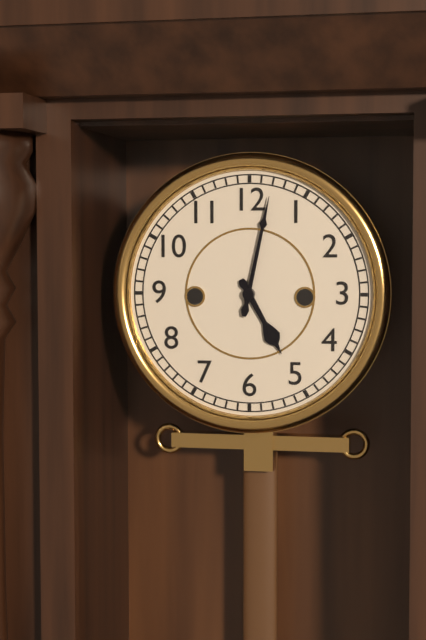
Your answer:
h=5 m=2
